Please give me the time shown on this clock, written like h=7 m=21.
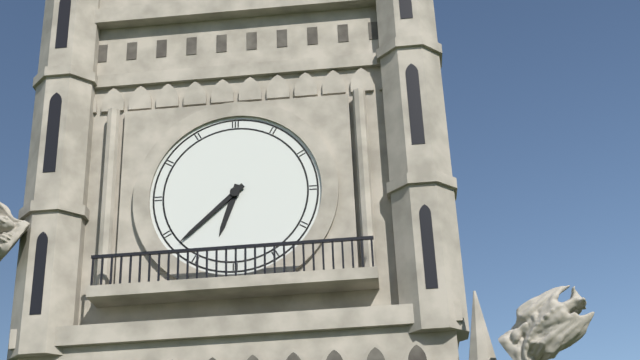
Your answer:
h=6 m=38
